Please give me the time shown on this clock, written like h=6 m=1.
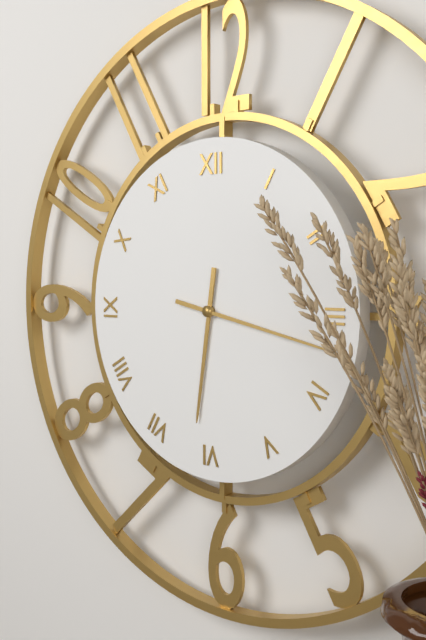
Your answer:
h=6 m=17
